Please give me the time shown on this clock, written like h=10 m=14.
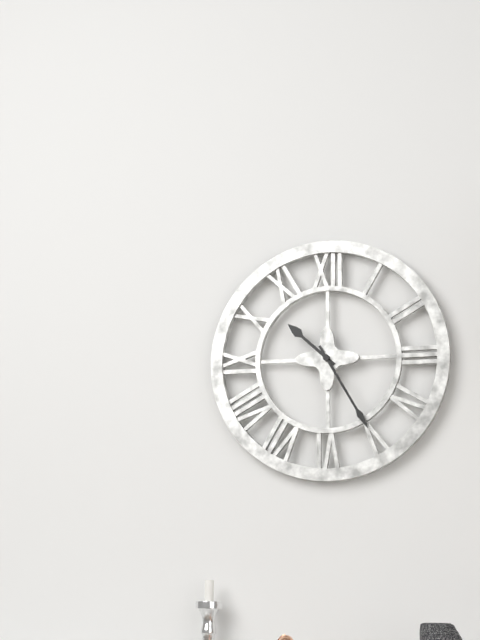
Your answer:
h=10 m=25
